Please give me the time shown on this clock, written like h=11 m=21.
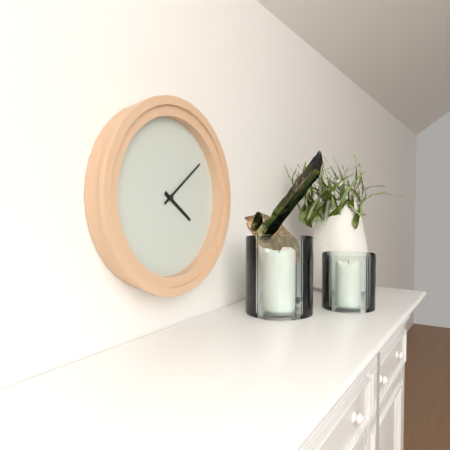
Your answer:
h=4 m=9
